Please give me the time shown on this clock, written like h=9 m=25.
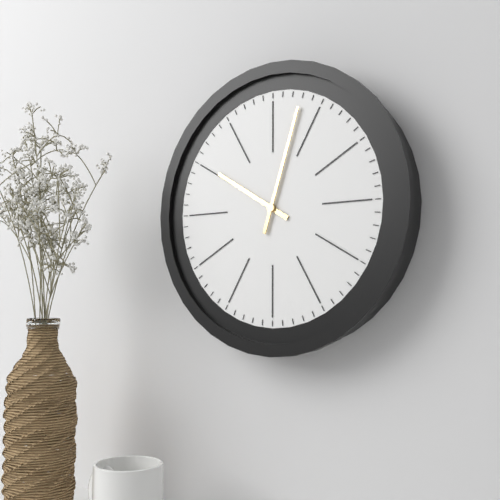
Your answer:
h=10 m=3
